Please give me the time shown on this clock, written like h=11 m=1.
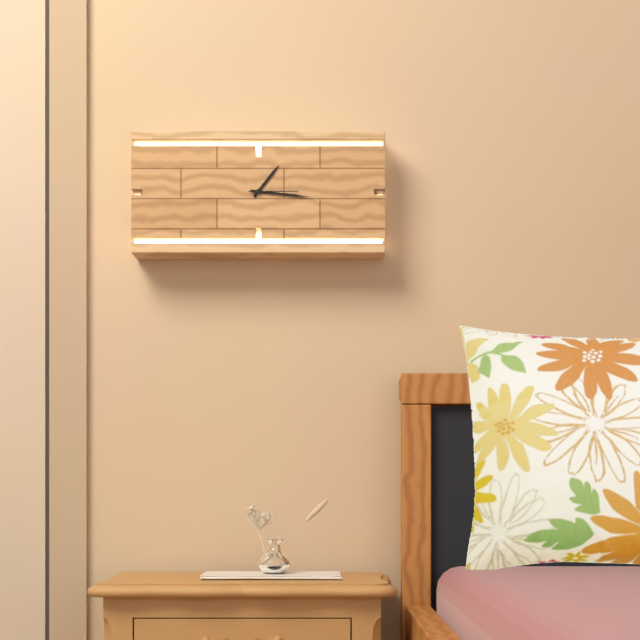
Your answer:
h=1 m=16
